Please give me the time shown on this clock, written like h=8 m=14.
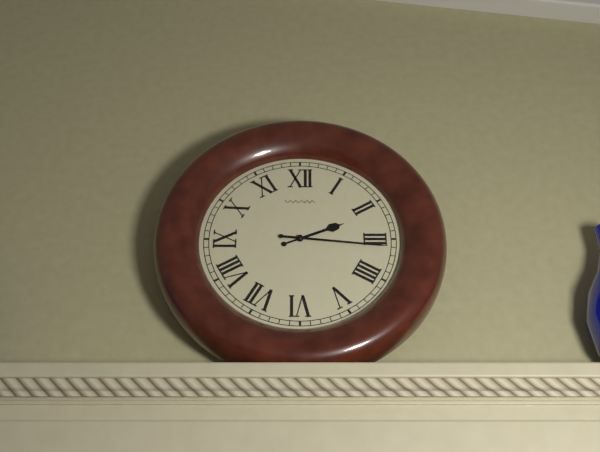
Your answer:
h=2 m=16
